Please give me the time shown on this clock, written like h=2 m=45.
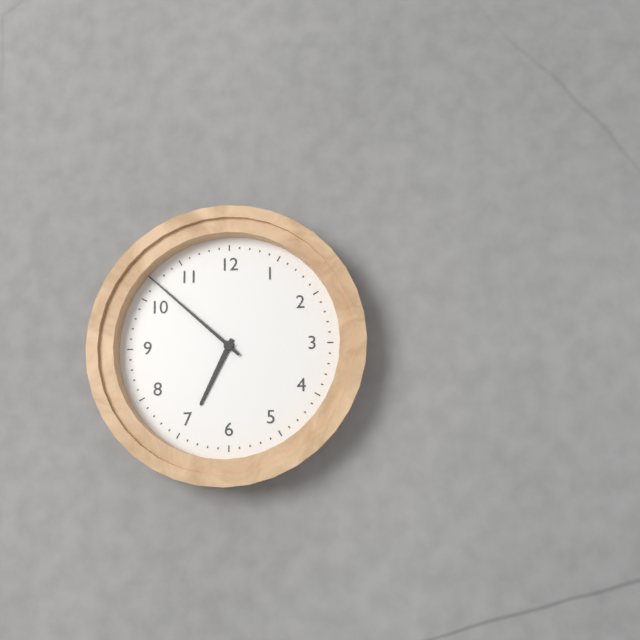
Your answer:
h=6 m=52
